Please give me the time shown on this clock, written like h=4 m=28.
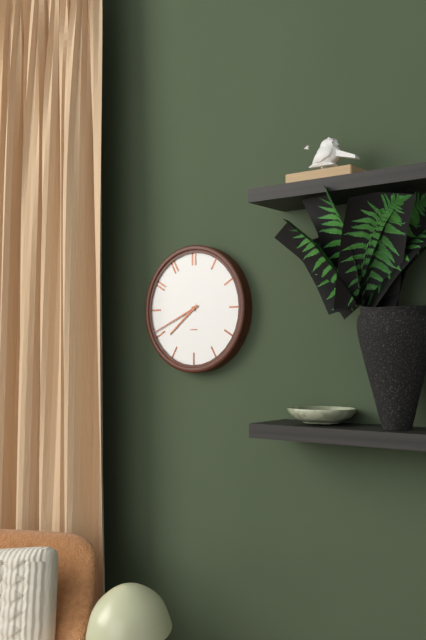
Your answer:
h=7 m=41
